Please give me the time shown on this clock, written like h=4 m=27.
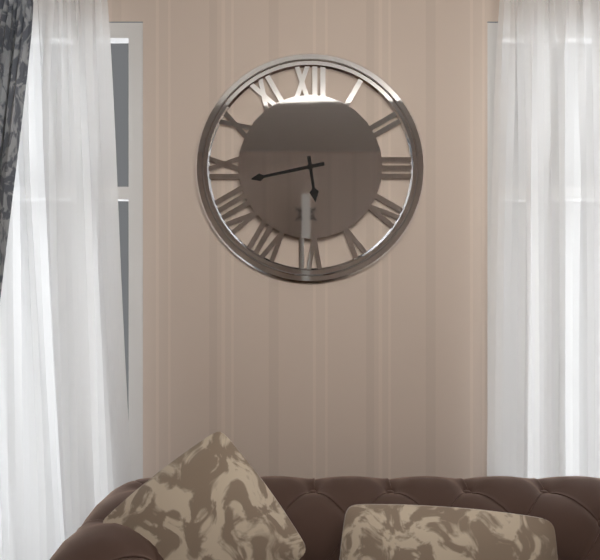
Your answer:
h=5 m=43
